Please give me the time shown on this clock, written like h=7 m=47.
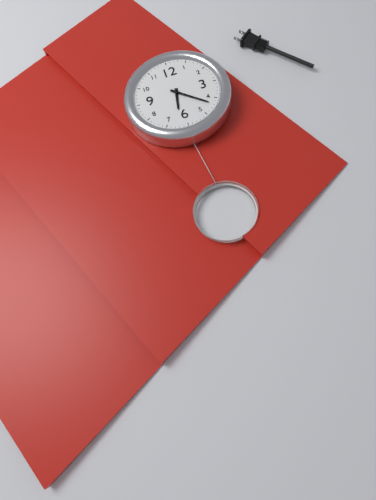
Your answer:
h=6 m=22
